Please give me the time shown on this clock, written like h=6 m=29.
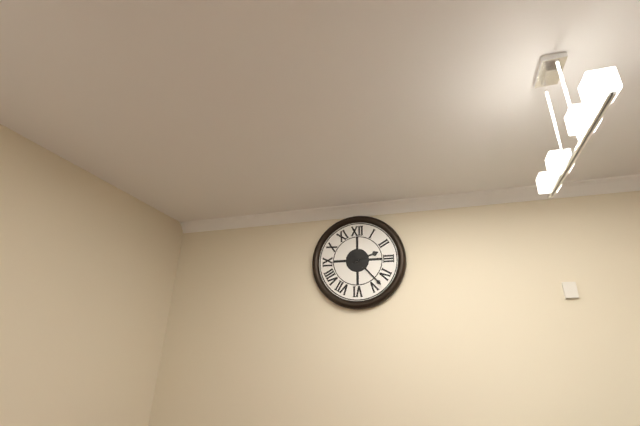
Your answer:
h=2 m=23
